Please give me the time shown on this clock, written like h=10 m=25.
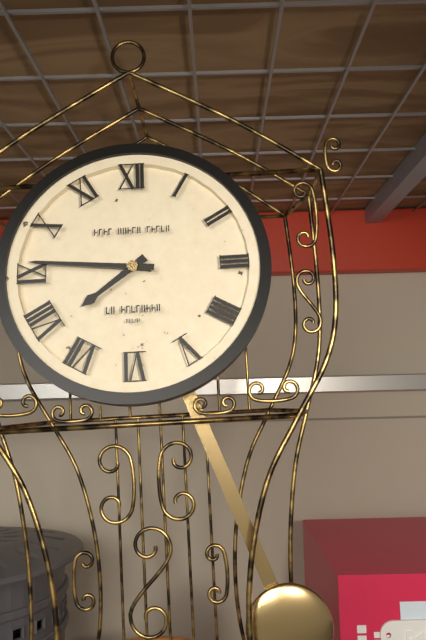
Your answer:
h=7 m=46
